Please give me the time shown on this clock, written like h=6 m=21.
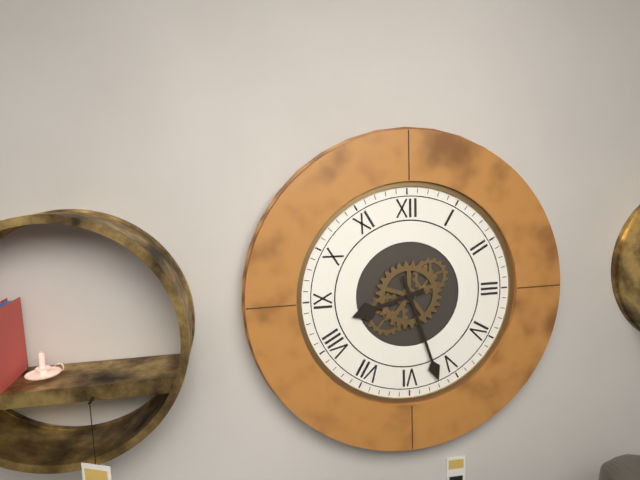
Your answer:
h=8 m=27
